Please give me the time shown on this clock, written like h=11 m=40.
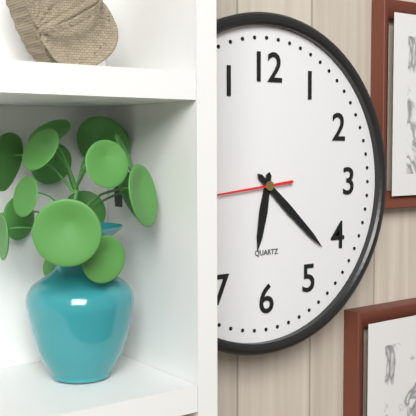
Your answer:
h=6 m=22
